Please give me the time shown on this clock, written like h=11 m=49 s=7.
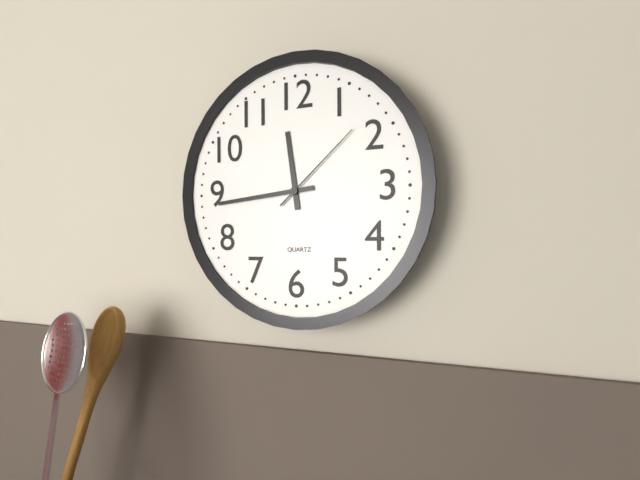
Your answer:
h=11 m=44 s=8
